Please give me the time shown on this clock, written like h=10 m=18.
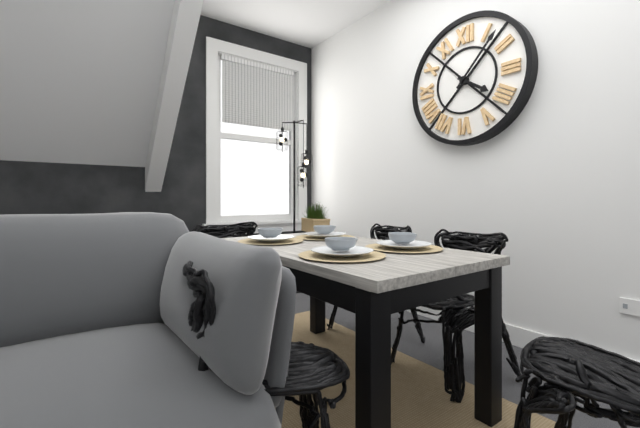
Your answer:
h=4 m=7
